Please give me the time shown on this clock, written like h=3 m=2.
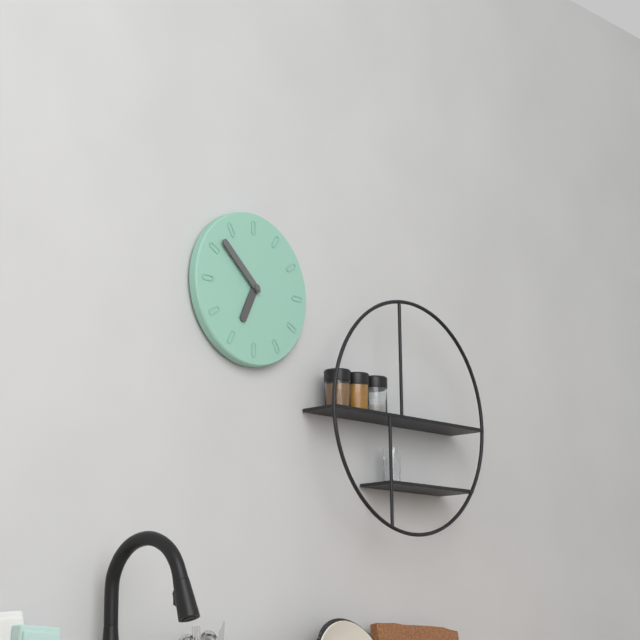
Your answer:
h=6 m=52
